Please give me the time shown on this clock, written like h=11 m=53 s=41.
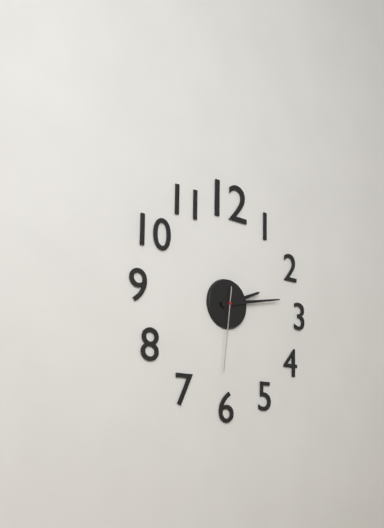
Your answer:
h=2 m=13 s=31
